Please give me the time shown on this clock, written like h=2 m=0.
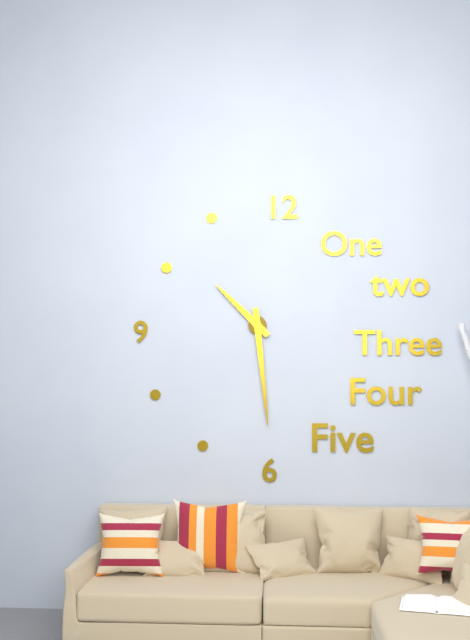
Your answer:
h=10 m=29
